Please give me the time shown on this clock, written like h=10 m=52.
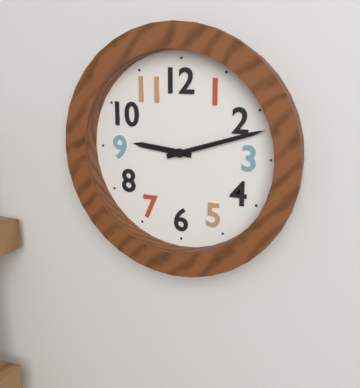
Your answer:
h=9 m=12
